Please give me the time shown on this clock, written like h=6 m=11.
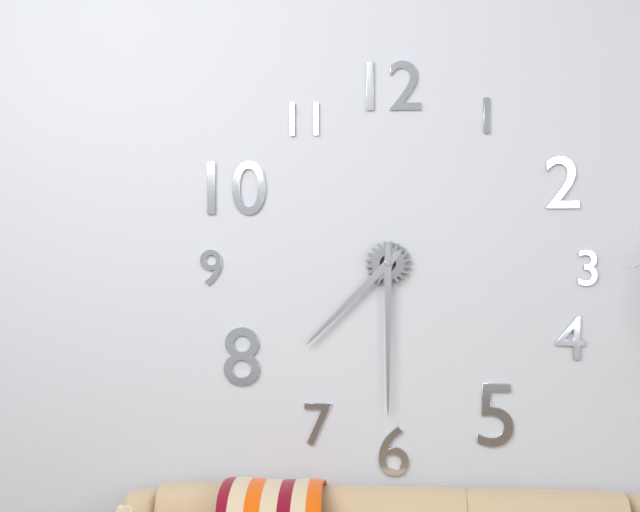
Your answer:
h=7 m=30
